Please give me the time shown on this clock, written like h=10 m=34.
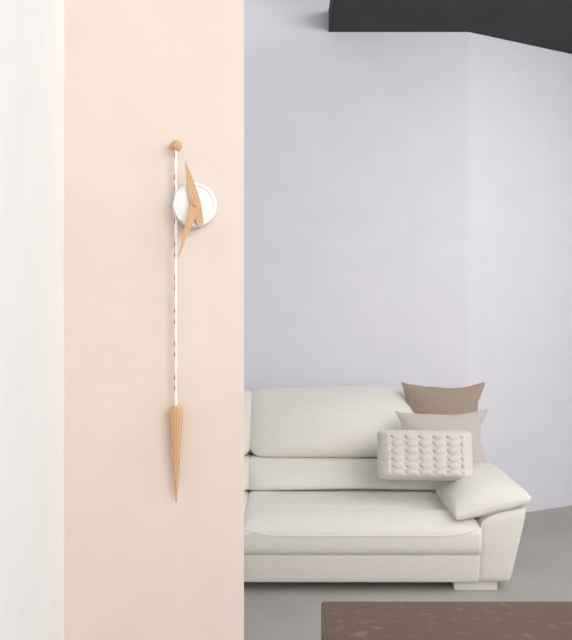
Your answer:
h=11 m=33
